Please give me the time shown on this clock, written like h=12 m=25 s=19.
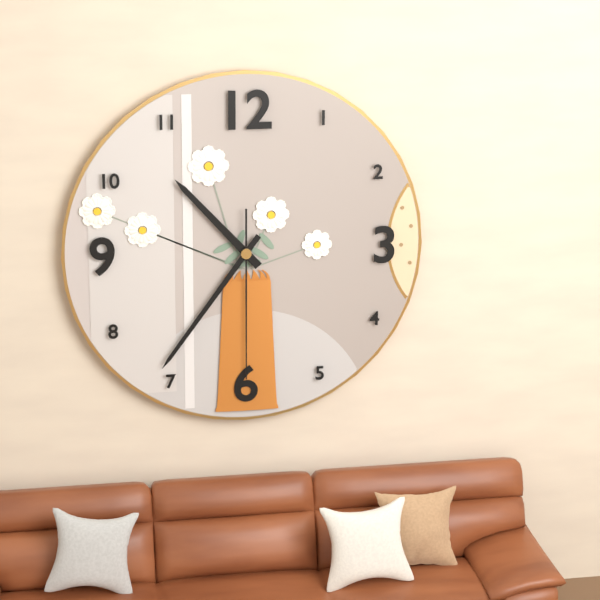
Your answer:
h=10 m=36 s=30
